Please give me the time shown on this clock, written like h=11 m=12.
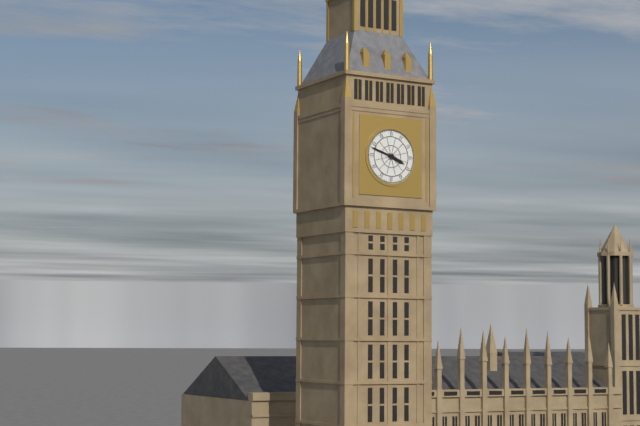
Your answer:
h=3 m=48
